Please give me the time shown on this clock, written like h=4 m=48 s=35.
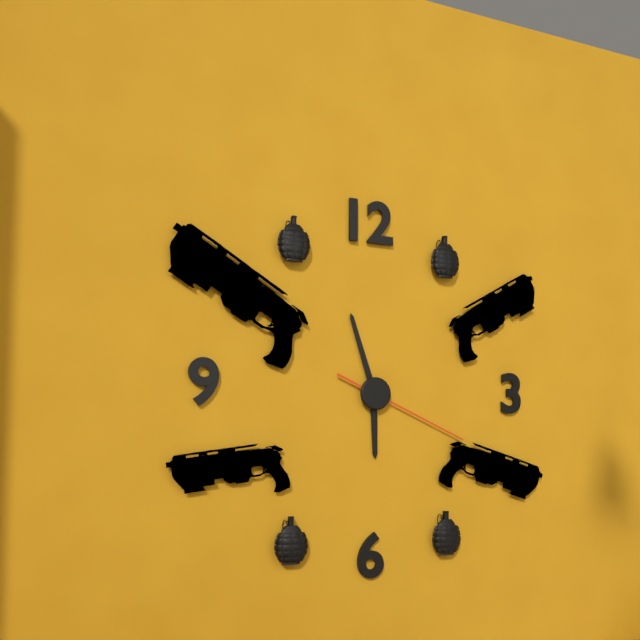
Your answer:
h=5 m=57 s=19
